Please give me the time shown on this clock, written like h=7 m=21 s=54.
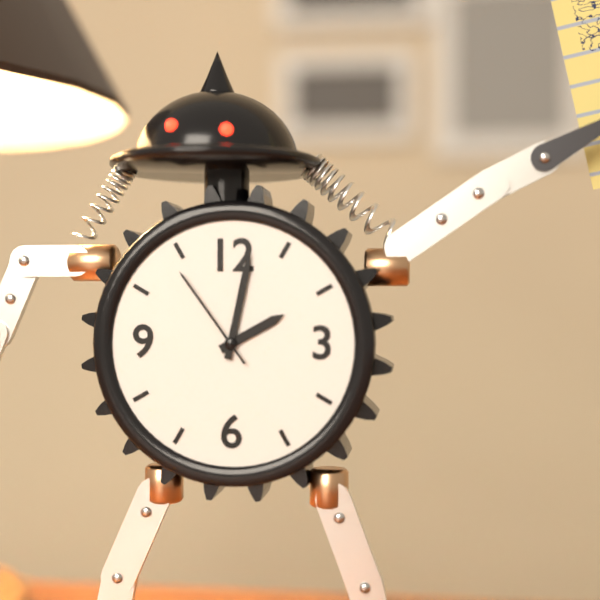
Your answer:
h=2 m=2 s=54
